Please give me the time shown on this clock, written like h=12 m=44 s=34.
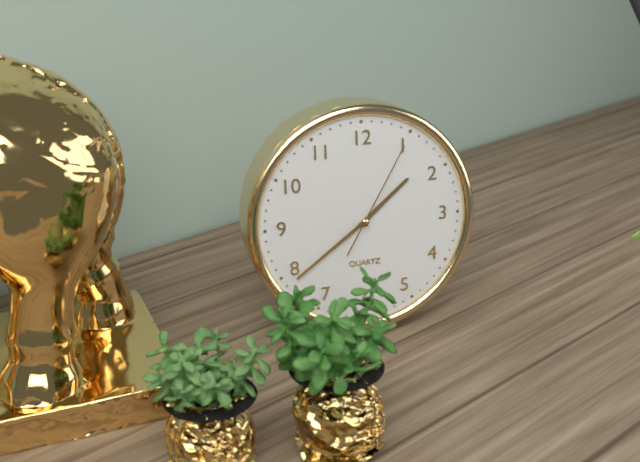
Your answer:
h=1 m=39 s=5
